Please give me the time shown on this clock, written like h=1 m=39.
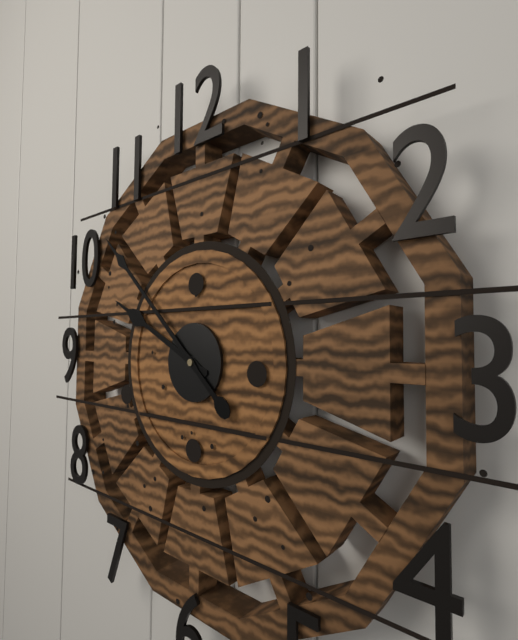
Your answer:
h=9 m=52
